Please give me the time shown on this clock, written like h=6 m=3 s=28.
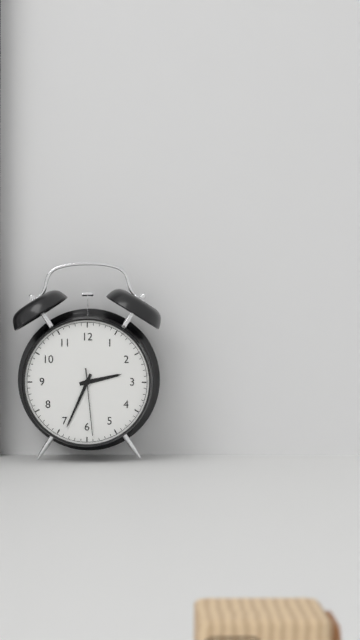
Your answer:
h=2 m=34 s=29
